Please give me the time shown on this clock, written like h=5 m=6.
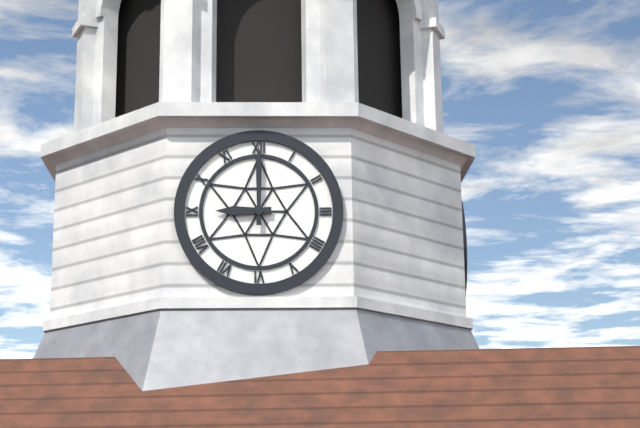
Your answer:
h=9 m=0
